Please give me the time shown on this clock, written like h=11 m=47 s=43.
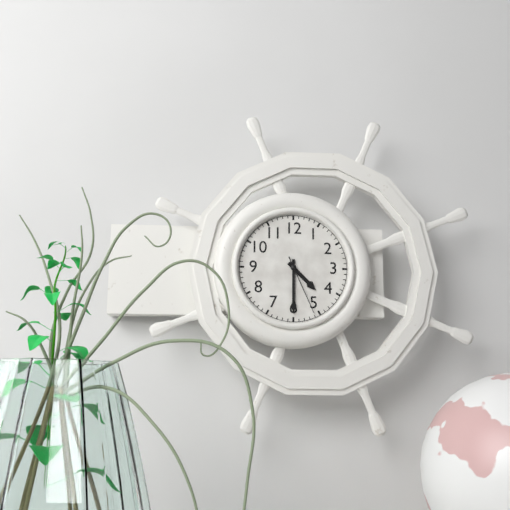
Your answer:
h=4 m=30 s=26
